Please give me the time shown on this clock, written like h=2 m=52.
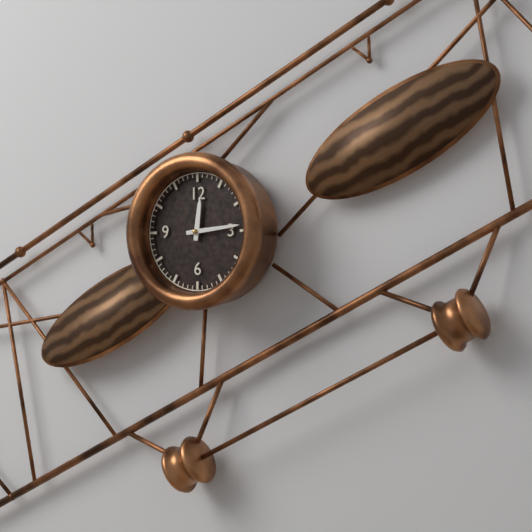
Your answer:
h=12 m=14
